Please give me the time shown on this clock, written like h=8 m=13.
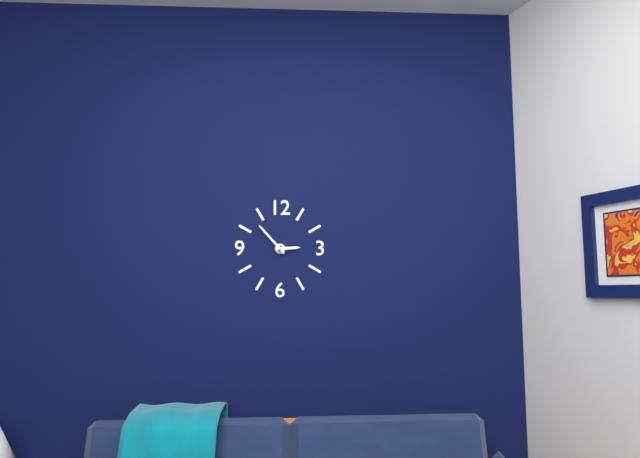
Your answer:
h=2 m=53
